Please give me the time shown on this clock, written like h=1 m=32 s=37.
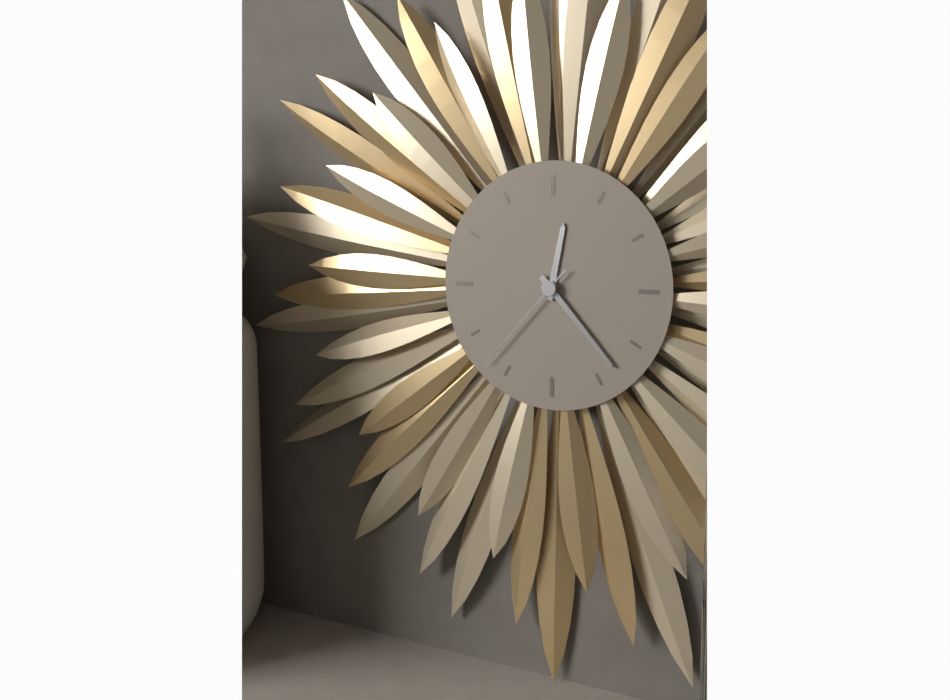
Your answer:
h=12 m=23 s=37
